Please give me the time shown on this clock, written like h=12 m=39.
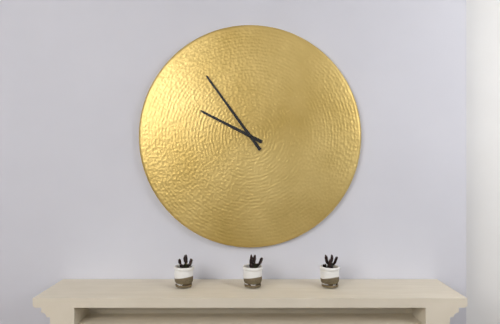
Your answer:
h=9 m=54
